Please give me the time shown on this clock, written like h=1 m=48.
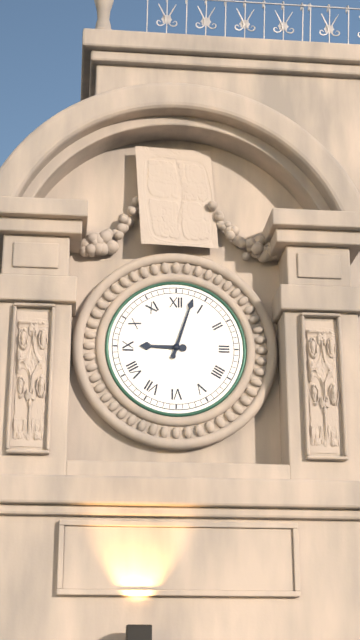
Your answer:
h=9 m=3
